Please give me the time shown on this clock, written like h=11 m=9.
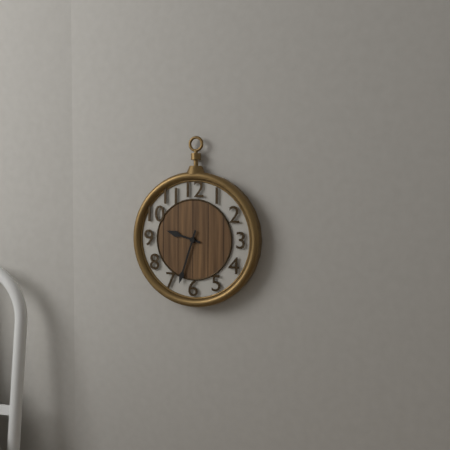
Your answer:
h=9 m=33
